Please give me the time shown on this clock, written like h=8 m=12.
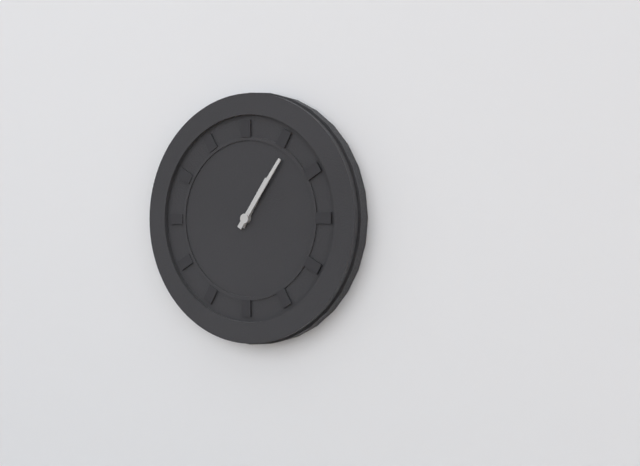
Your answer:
h=1 m=6
